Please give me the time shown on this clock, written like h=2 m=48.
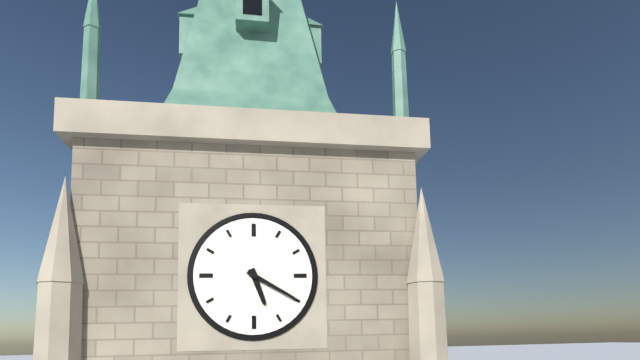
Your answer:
h=5 m=20
